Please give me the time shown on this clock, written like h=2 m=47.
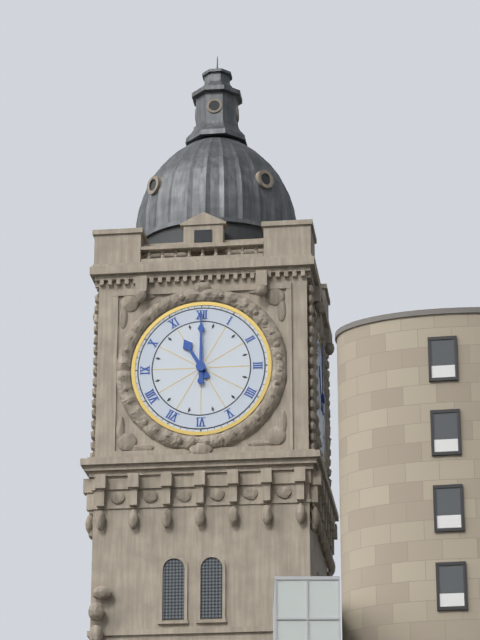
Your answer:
h=11 m=0
